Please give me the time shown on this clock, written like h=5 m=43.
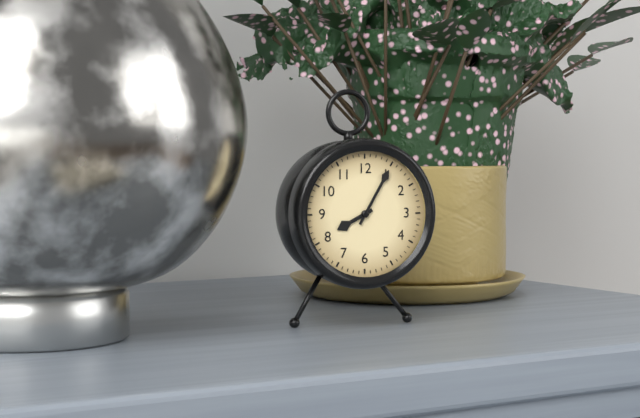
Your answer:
h=8 m=5
